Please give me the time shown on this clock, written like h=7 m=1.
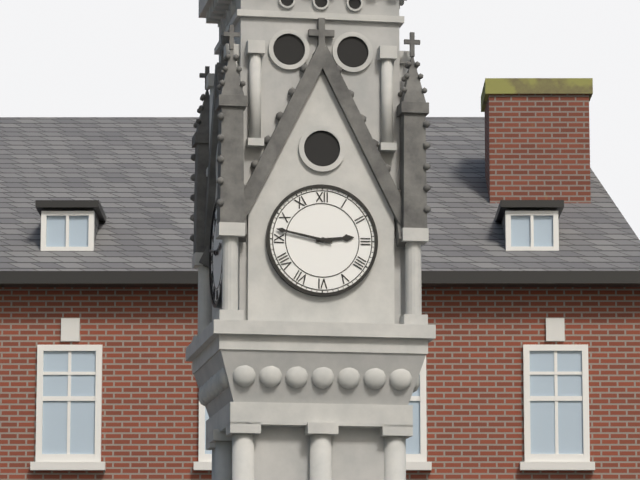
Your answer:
h=2 m=47
